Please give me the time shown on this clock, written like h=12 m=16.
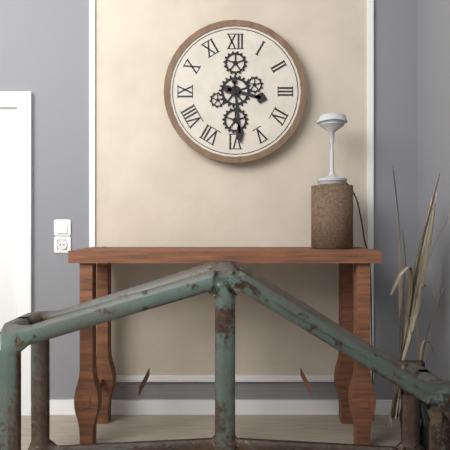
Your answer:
h=3 m=29
